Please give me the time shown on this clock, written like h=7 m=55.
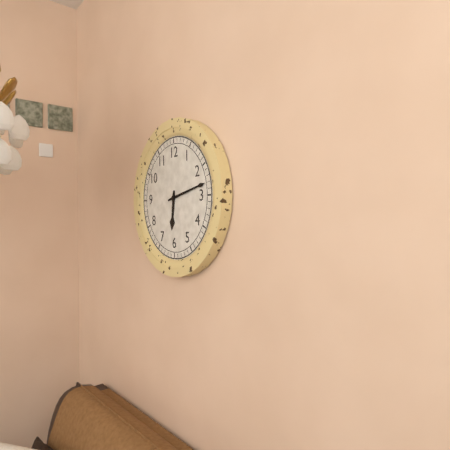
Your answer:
h=6 m=13
